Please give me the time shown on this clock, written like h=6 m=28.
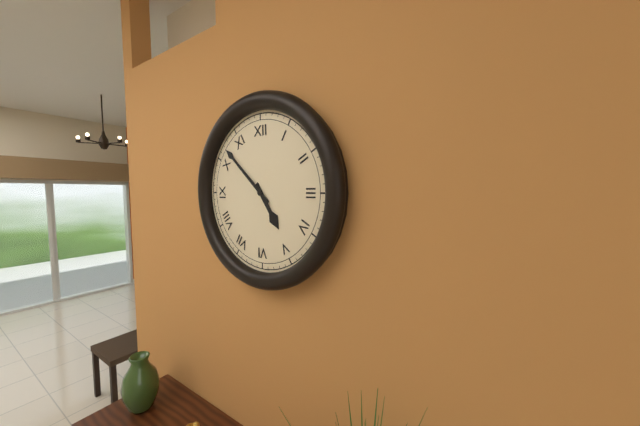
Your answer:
h=4 m=52
